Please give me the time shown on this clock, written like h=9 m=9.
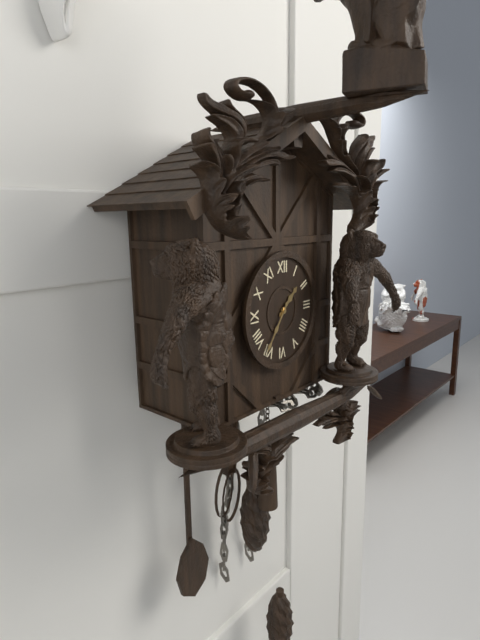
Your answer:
h=1 m=36
